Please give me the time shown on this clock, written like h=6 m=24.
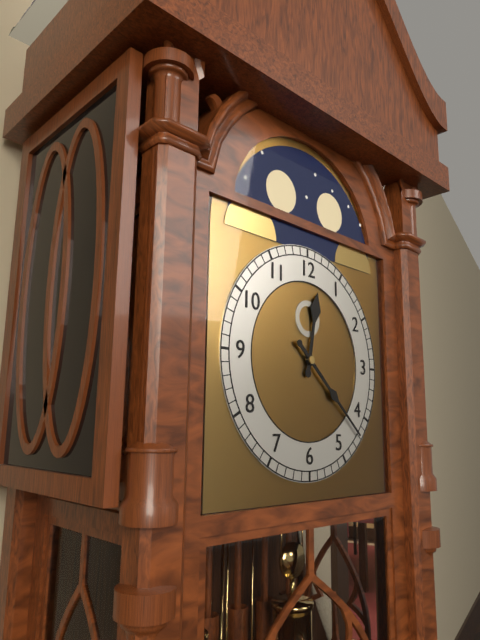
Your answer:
h=12 m=22
